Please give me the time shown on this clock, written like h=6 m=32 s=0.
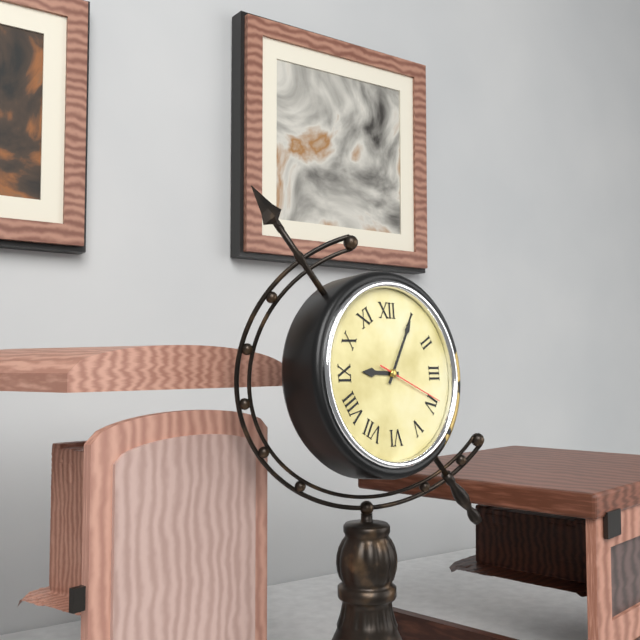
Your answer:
h=9 m=5 s=19
